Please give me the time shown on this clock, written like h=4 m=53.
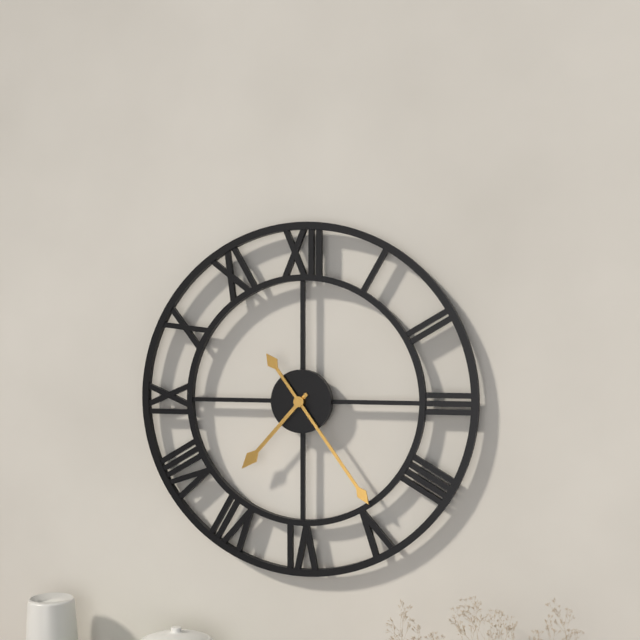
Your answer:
h=7 m=24
